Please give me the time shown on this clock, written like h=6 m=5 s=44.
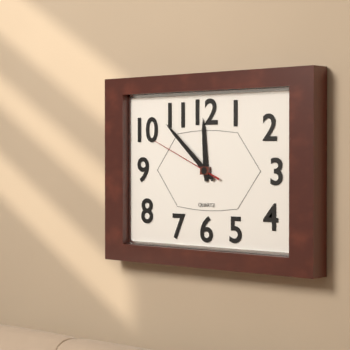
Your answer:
h=11 m=52 s=49
